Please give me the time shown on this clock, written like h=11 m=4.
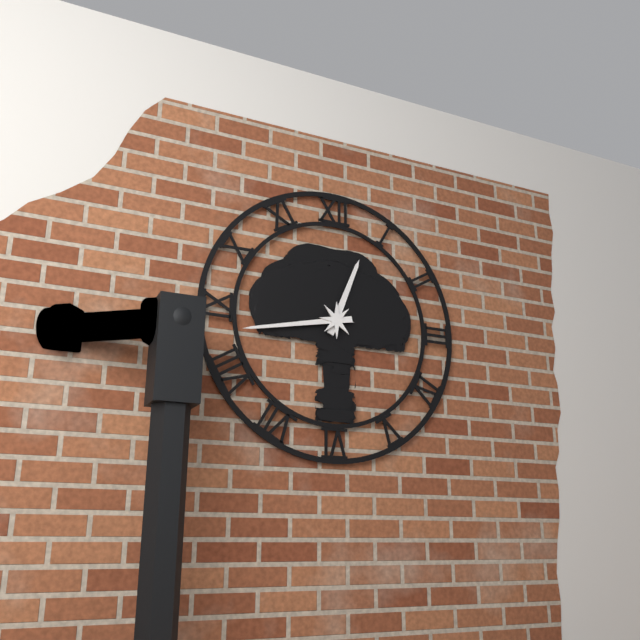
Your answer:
h=12 m=43
